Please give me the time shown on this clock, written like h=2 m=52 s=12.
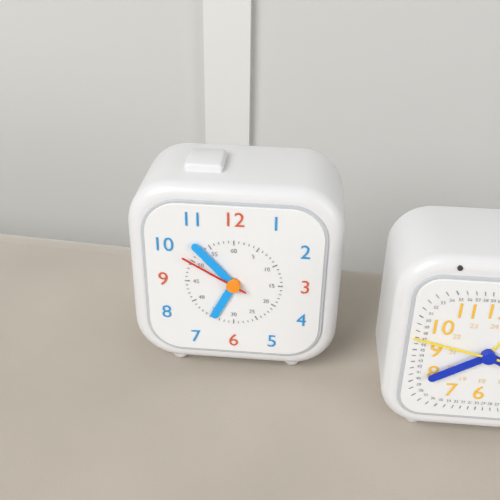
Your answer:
h=6 m=53 s=50
